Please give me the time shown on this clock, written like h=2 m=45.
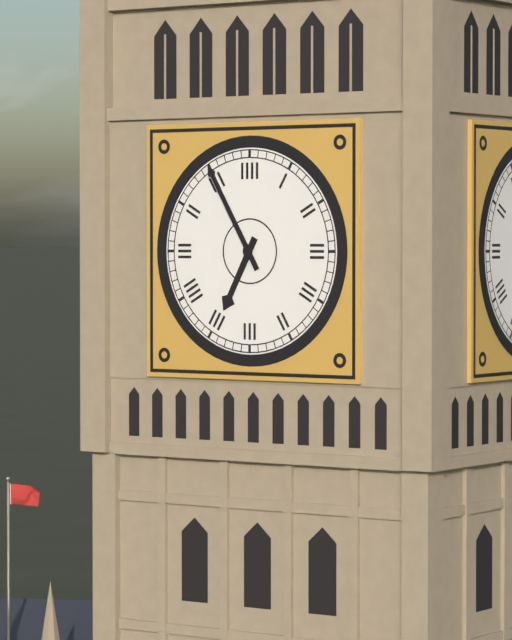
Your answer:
h=6 m=55
